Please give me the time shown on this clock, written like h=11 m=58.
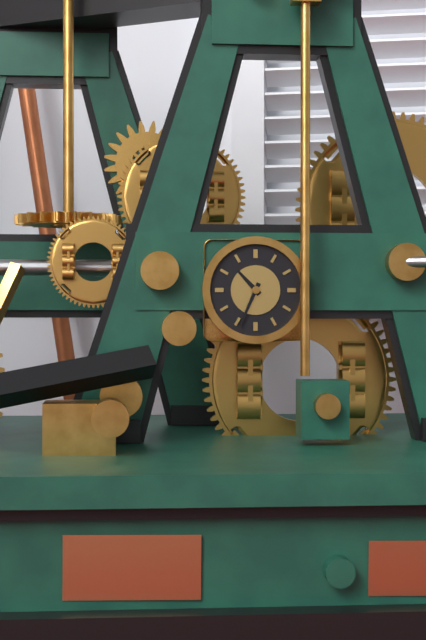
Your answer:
h=10 m=34
